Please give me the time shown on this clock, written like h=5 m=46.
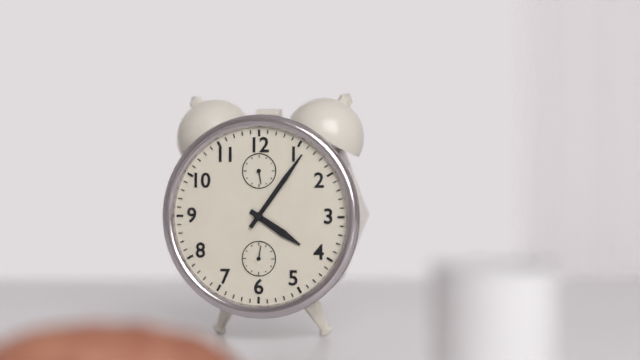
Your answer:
h=4 m=6
